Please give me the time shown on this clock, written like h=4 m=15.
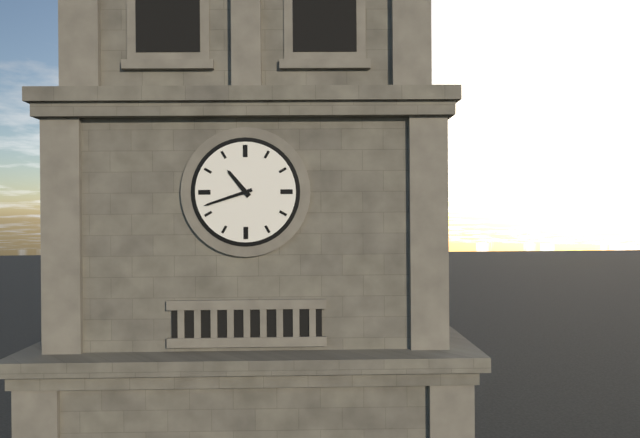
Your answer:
h=10 m=42
